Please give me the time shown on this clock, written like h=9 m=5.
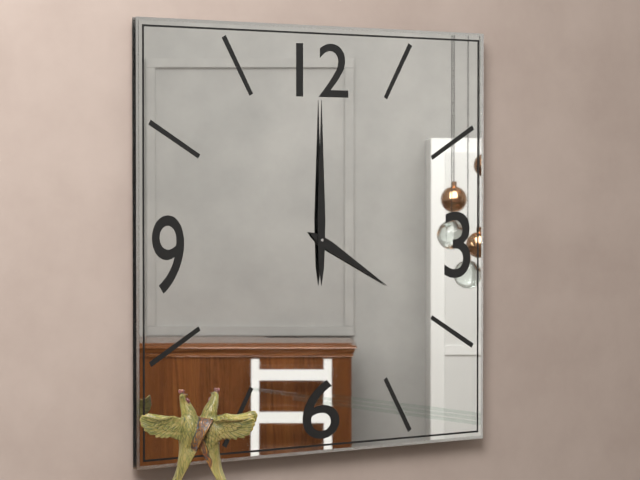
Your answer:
h=4 m=0
